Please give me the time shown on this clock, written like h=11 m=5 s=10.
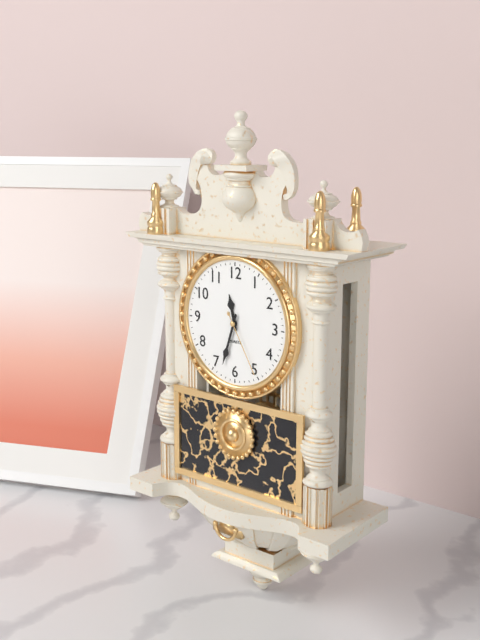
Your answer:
h=11 m=33 s=25
